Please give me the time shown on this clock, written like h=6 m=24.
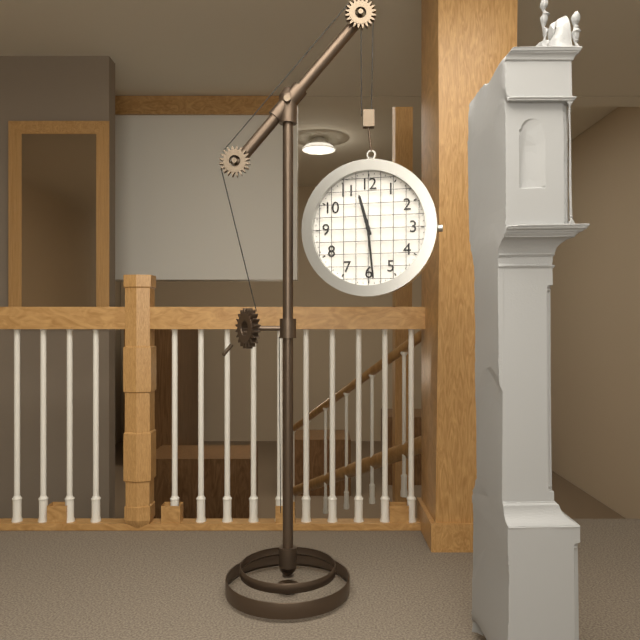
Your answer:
h=11 m=29
